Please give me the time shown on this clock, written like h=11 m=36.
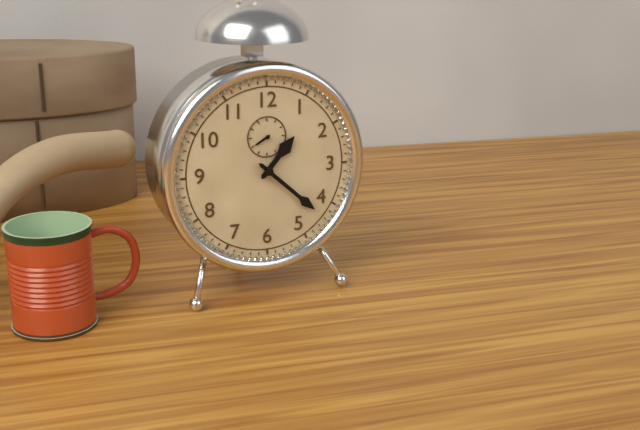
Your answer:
h=1 m=22
